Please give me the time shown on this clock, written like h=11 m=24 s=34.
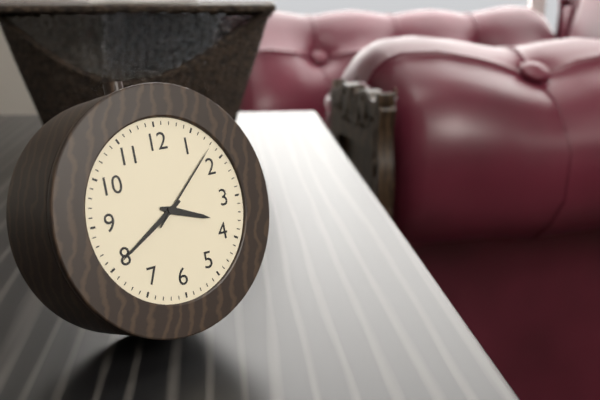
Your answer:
h=3 m=40 s=8
